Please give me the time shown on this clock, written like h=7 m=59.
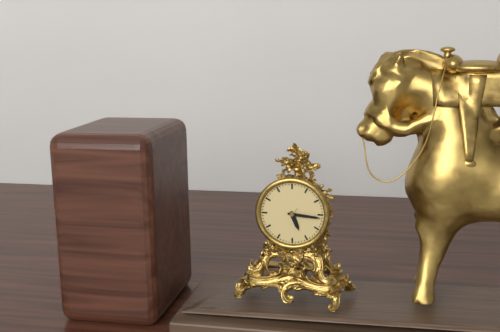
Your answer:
h=5 m=16
